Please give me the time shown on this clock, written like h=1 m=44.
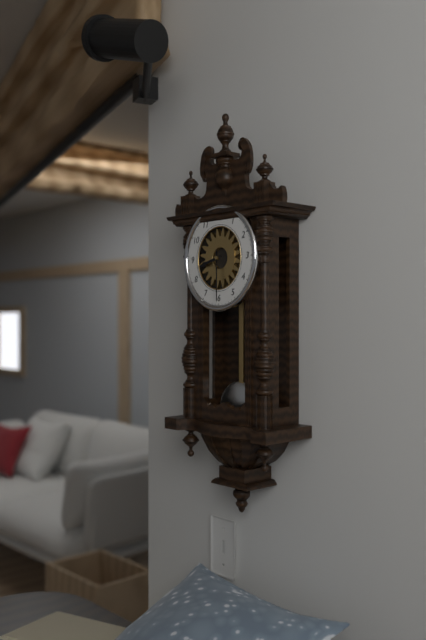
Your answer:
h=8 m=30
